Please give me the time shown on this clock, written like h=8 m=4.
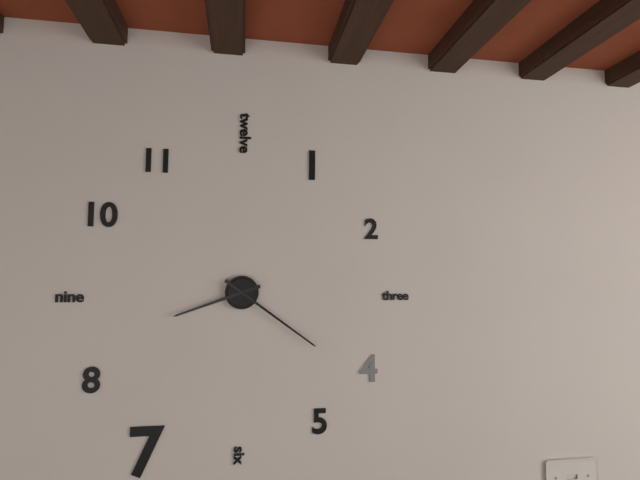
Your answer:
h=8 m=21
